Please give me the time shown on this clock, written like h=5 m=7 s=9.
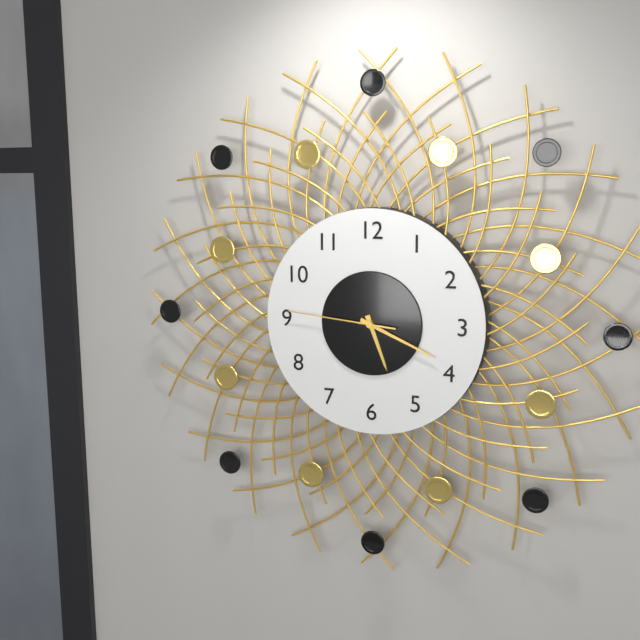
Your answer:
h=5 m=19 s=46
